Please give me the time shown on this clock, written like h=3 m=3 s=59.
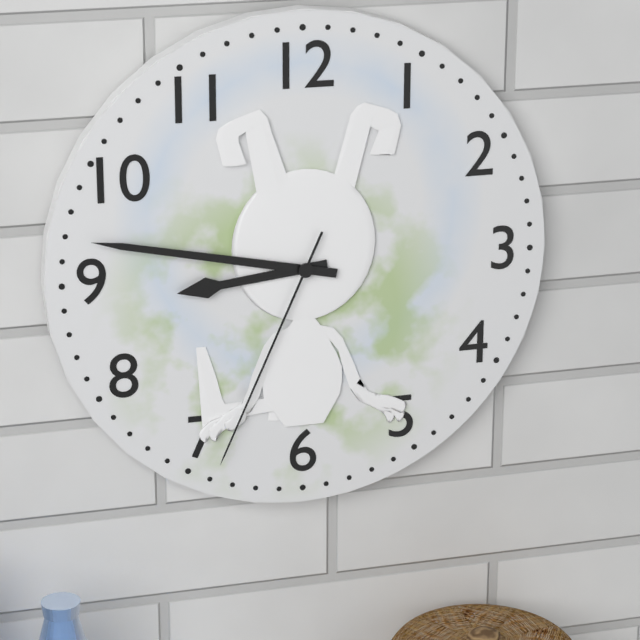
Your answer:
h=8 m=47 s=34
